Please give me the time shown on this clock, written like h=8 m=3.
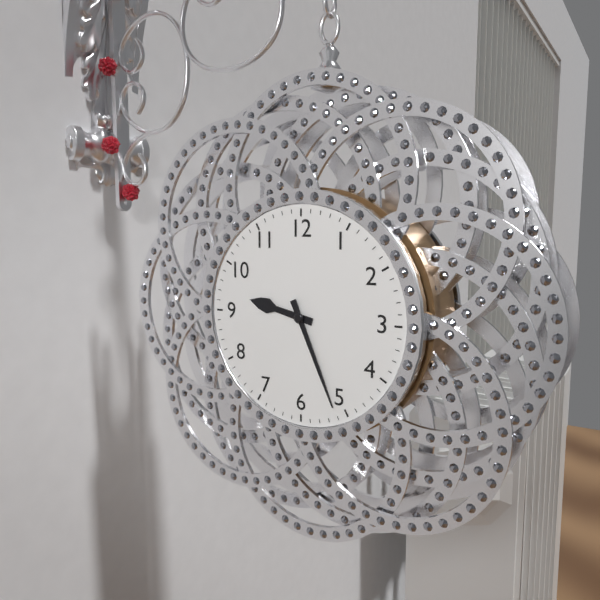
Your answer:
h=9 m=26
